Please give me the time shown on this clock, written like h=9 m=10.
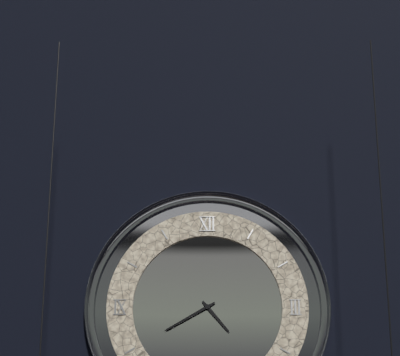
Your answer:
h=4 m=40
